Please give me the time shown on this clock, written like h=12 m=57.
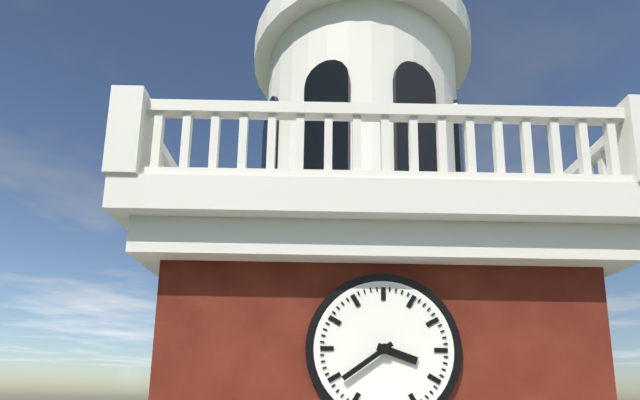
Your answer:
h=3 m=39
